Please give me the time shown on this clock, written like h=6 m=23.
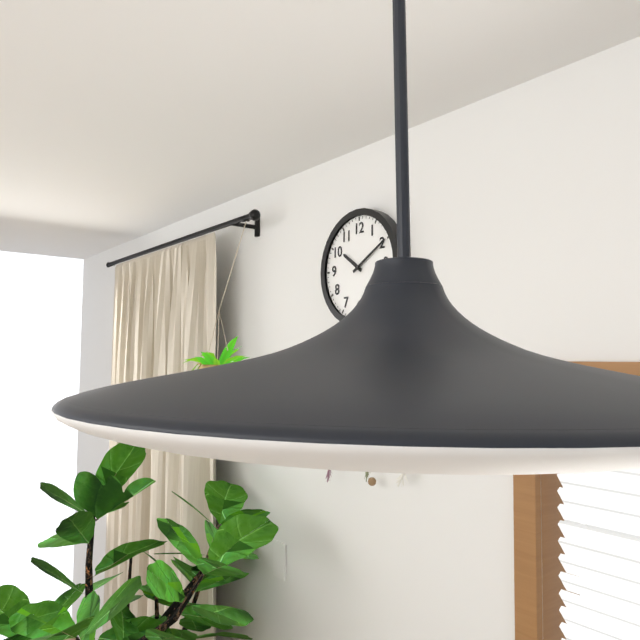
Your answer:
h=10 m=10
